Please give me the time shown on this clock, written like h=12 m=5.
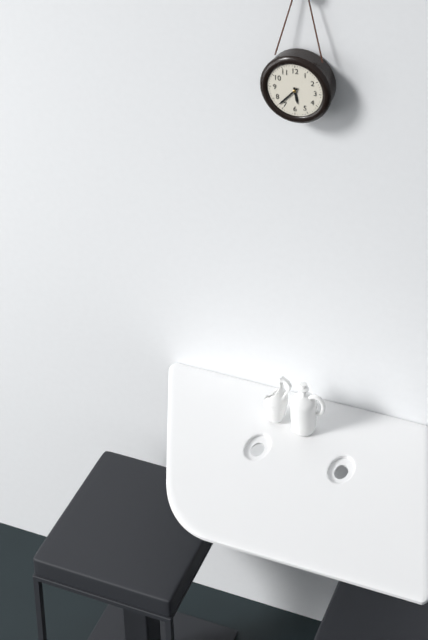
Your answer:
h=5 m=37
